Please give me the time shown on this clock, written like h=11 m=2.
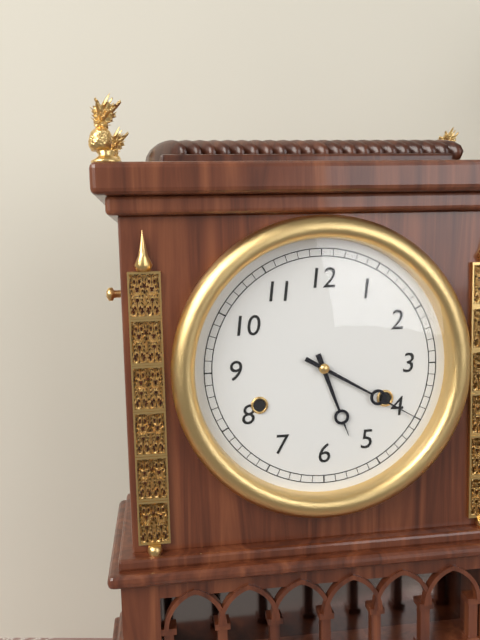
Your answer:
h=5 m=20
